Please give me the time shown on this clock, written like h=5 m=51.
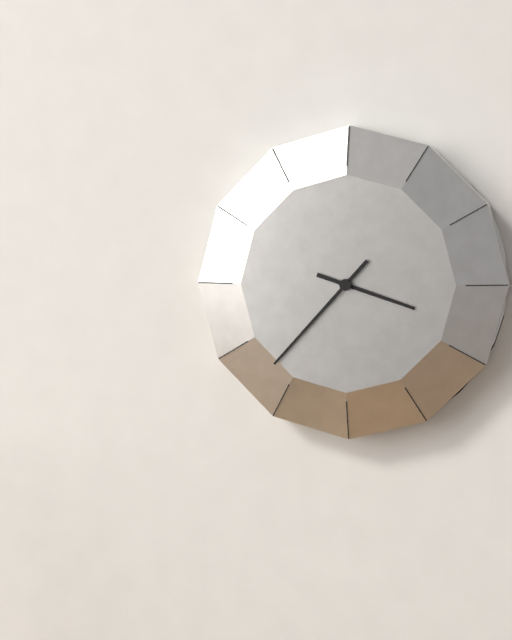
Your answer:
h=3 m=37
